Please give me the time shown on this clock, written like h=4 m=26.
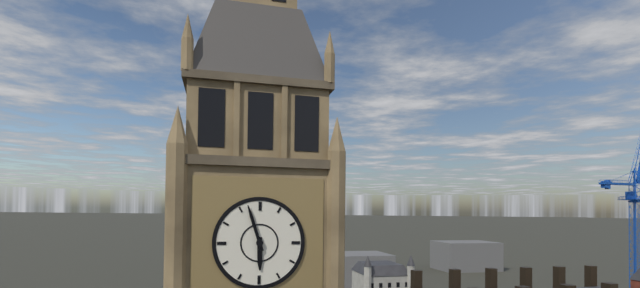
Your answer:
h=5 m=57
